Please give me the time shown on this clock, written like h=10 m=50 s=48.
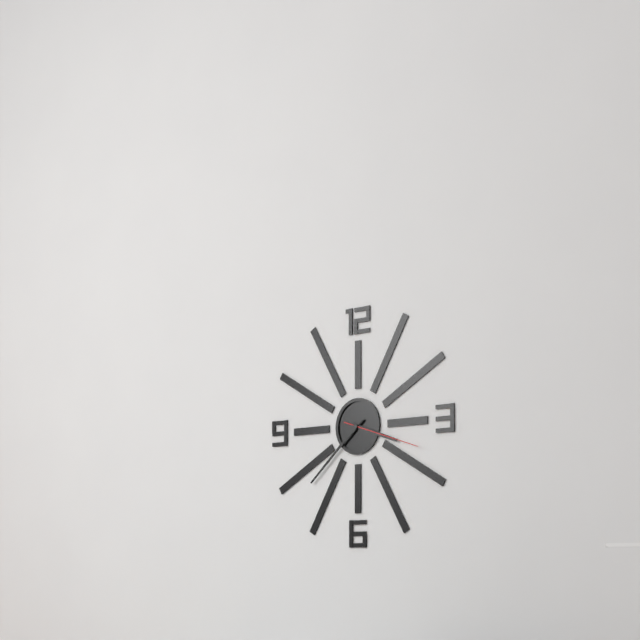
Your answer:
h=3 m=38 s=18
